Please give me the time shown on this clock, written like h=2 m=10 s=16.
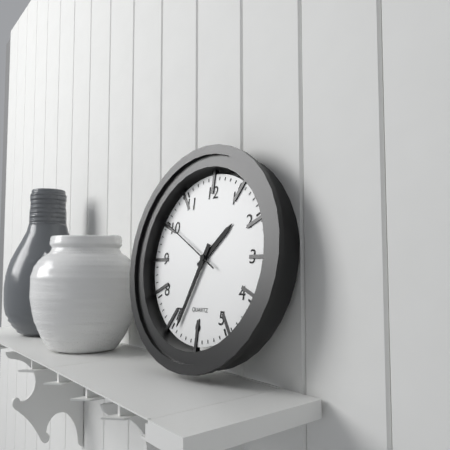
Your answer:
h=1 m=34 s=50
